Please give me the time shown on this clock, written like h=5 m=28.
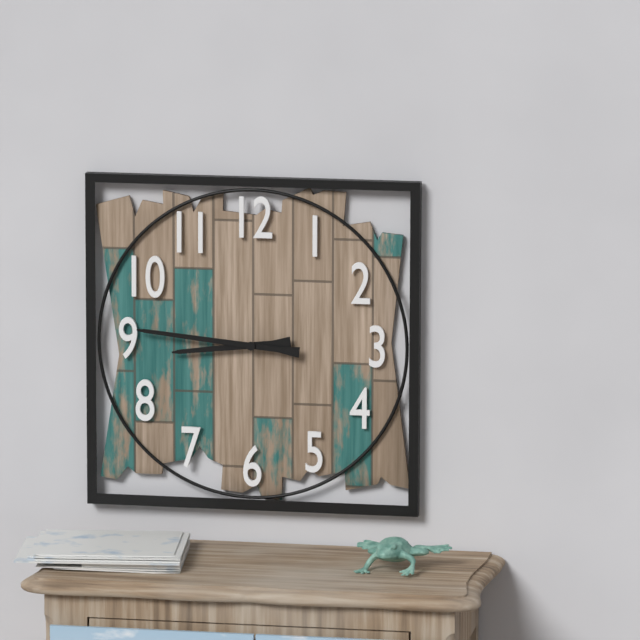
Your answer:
h=8 m=46
